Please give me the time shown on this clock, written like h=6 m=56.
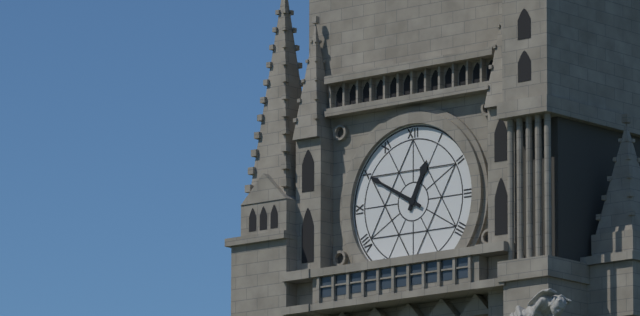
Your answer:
h=12 m=50
